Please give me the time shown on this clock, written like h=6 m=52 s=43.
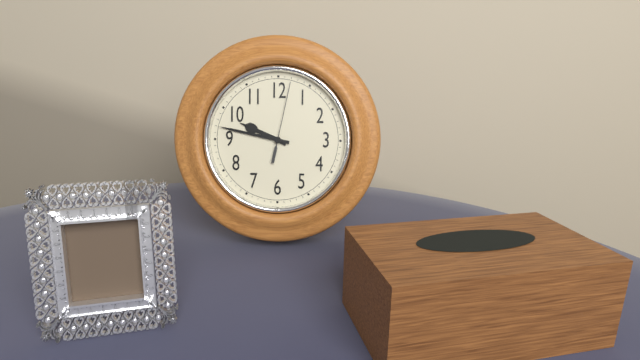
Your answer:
h=9 m=47 s=2
